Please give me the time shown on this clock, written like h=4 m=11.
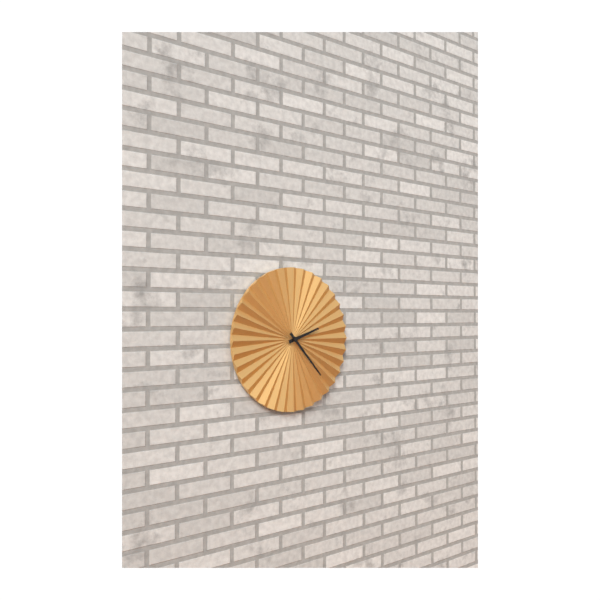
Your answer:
h=2 m=23
